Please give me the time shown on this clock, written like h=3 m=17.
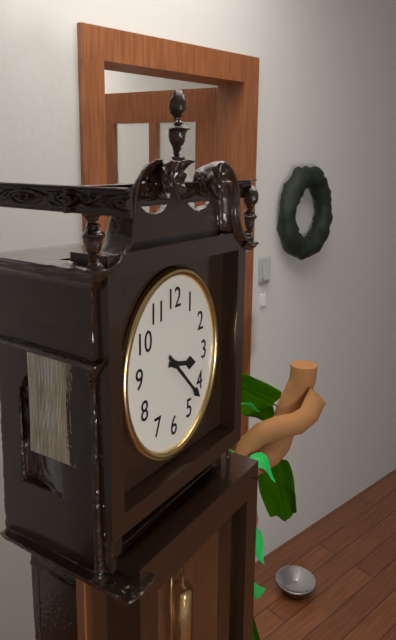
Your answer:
h=3 m=22
